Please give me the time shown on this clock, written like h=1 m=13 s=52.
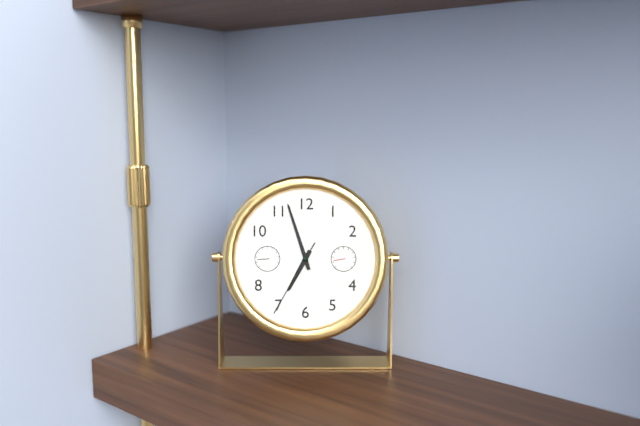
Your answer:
h=6 m=57 s=35
